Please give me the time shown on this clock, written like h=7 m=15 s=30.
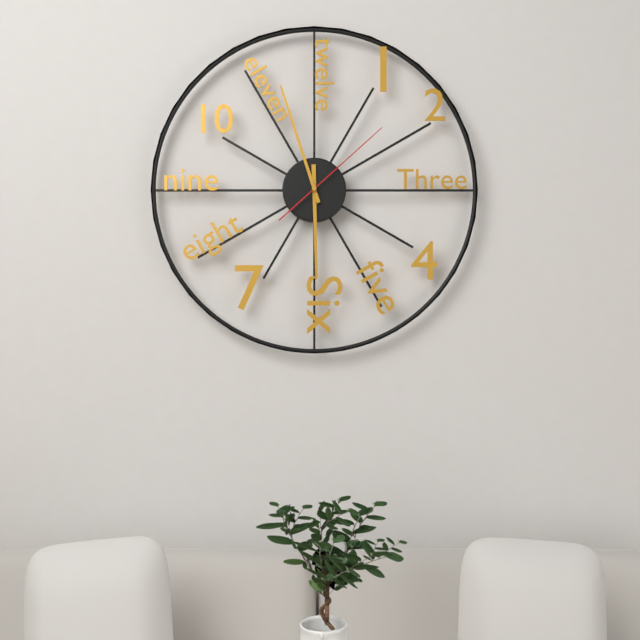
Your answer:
h=5 m=57 s=8
